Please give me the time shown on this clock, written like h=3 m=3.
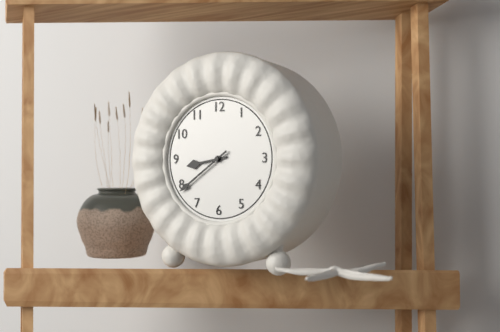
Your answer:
h=8 m=39
